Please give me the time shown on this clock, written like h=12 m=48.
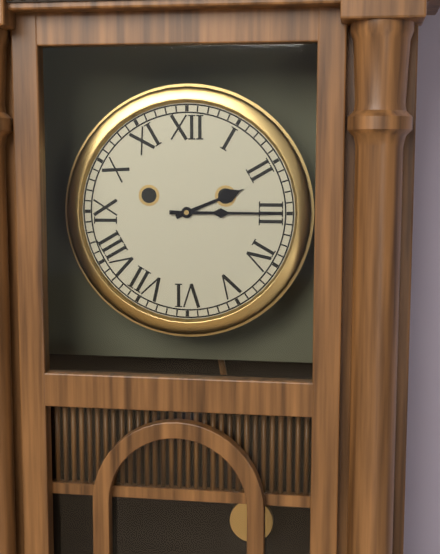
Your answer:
h=2 m=15
